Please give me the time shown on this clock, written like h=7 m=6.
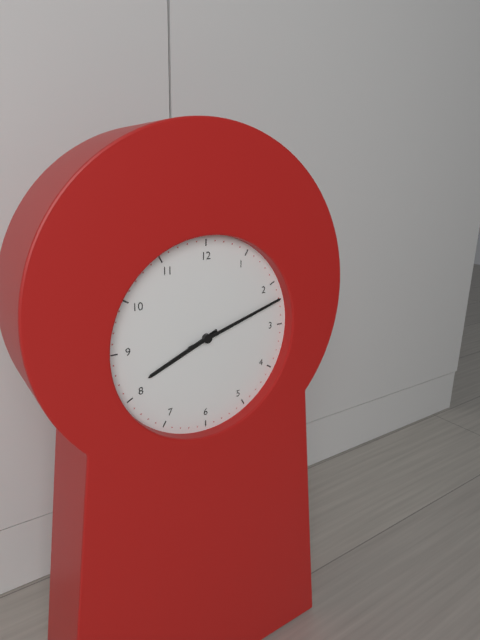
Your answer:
h=8 m=12
